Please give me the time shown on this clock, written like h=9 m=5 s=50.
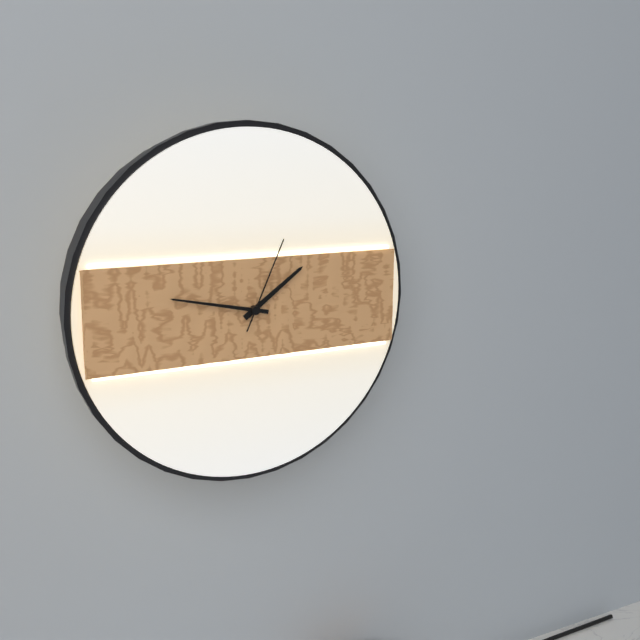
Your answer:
h=1 m=47 s=4
